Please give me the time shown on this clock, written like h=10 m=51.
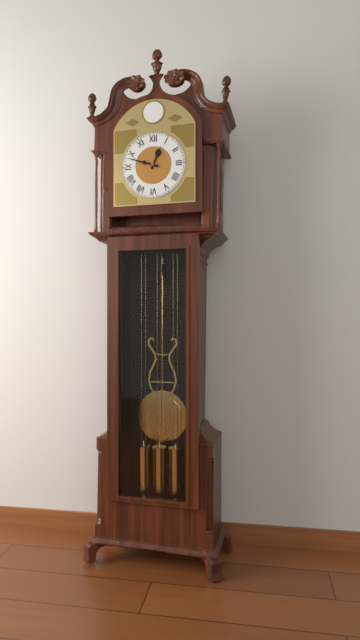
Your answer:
h=12 m=48
